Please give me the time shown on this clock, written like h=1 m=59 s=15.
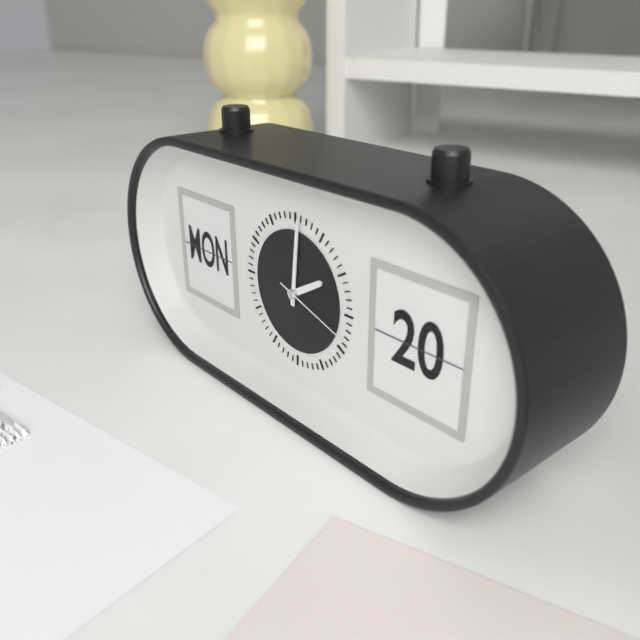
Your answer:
h=2 m=1 s=18
